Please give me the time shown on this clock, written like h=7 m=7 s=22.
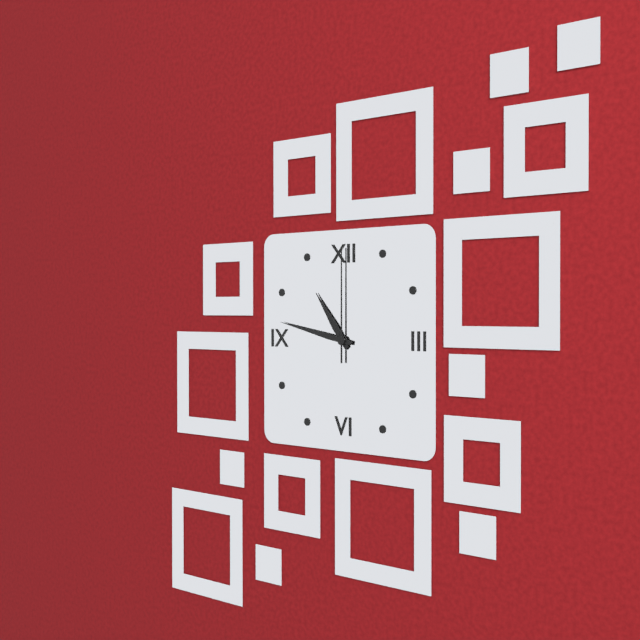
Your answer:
h=10 m=47 s=0
